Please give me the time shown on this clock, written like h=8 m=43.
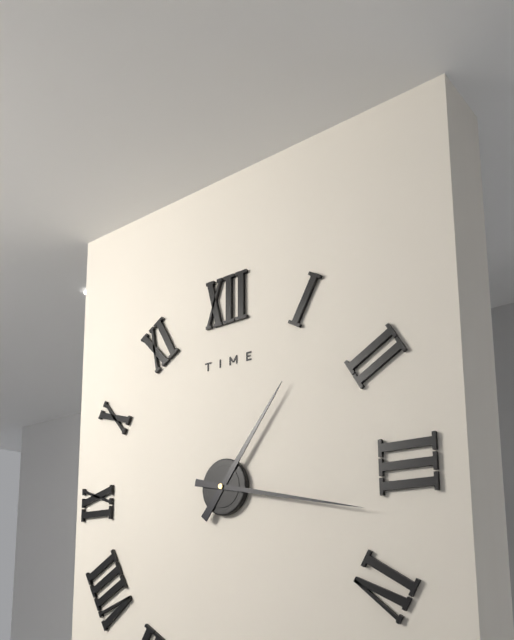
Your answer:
h=1 m=17
